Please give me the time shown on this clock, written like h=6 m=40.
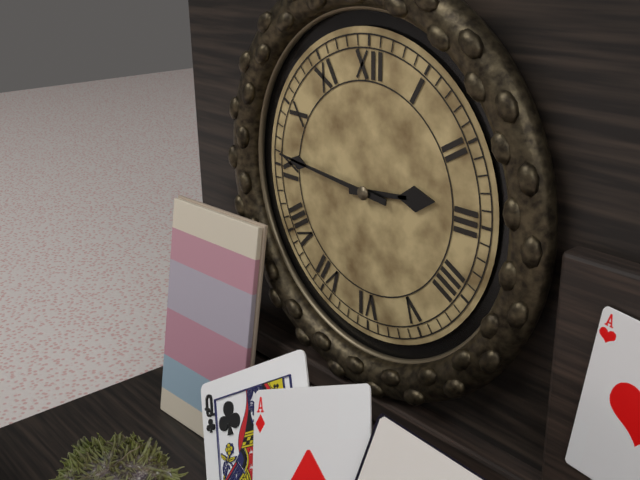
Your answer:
h=2 m=46
